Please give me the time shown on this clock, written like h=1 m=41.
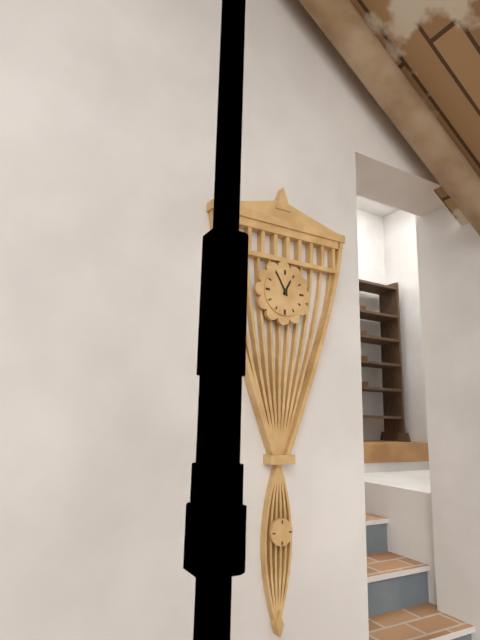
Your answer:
h=12 m=55
